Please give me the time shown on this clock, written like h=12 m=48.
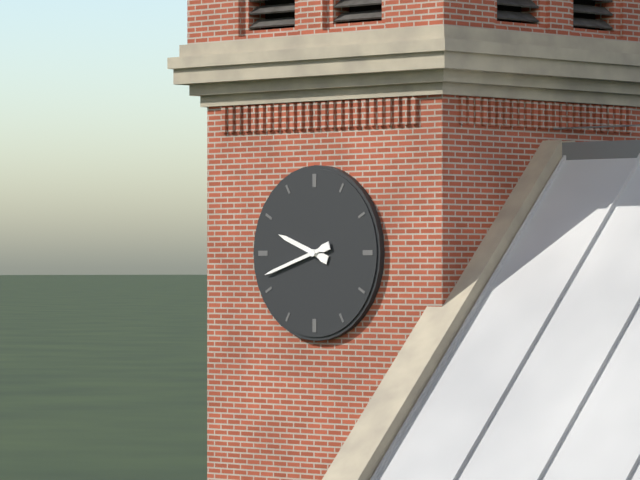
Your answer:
h=9 m=42
